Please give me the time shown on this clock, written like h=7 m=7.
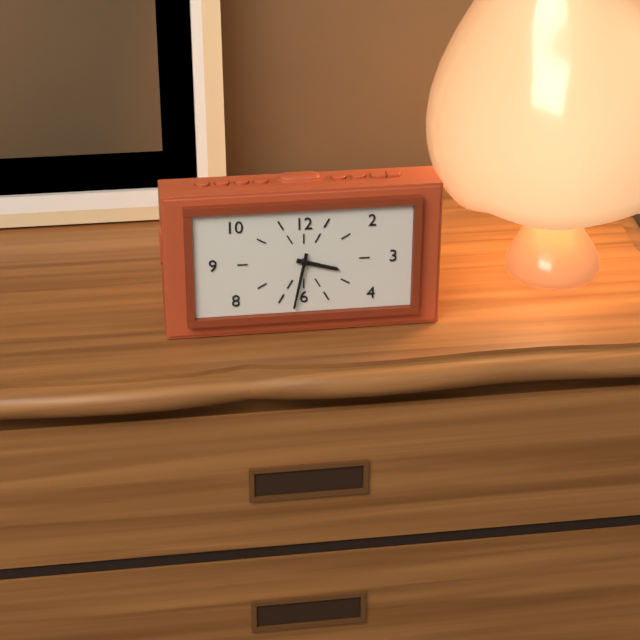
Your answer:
h=3 m=32
